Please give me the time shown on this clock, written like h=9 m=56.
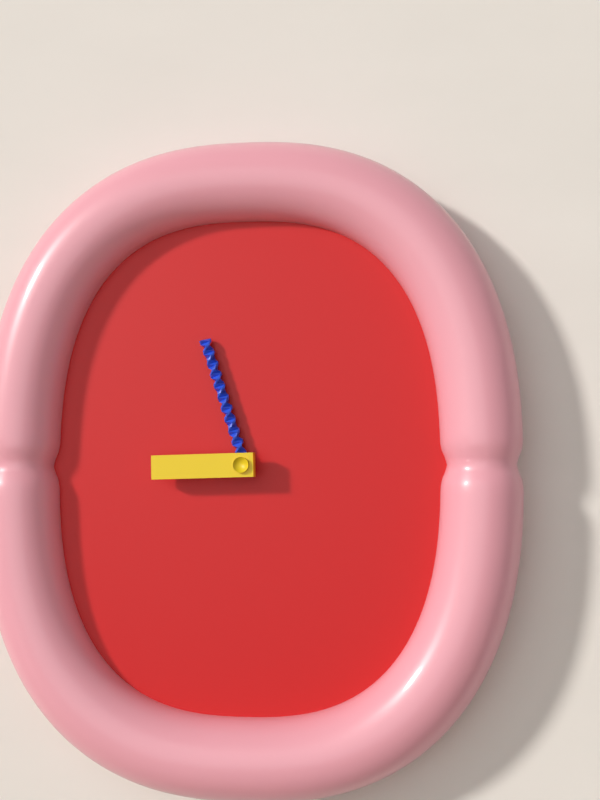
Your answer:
h=8 m=57
